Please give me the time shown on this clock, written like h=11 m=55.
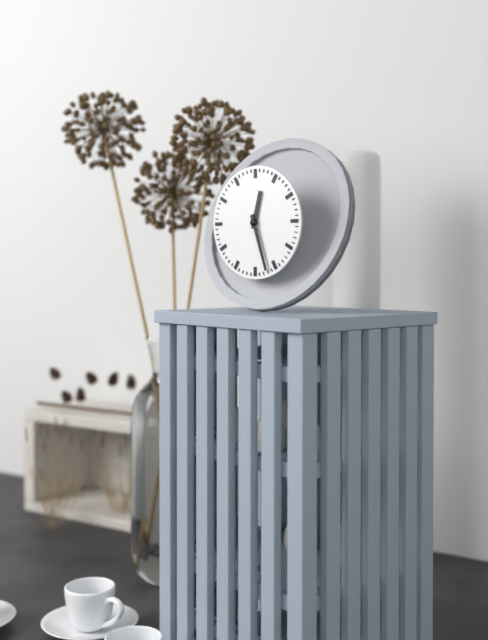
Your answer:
h=12 m=27
